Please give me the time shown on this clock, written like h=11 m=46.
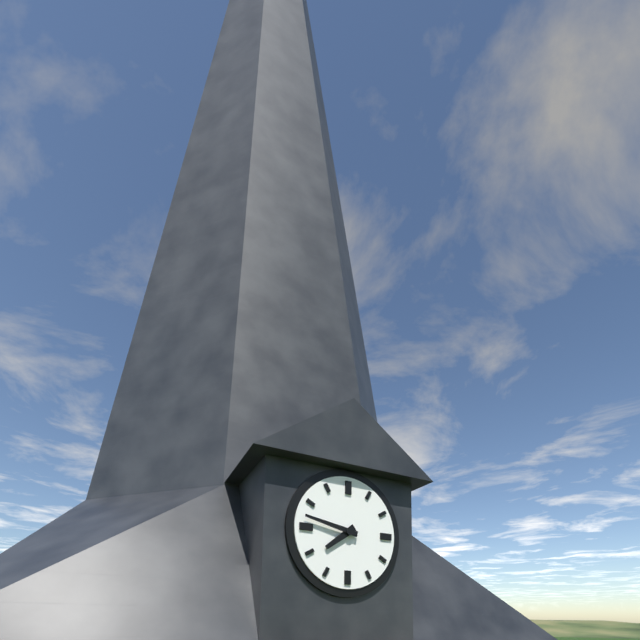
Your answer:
h=7 m=47
